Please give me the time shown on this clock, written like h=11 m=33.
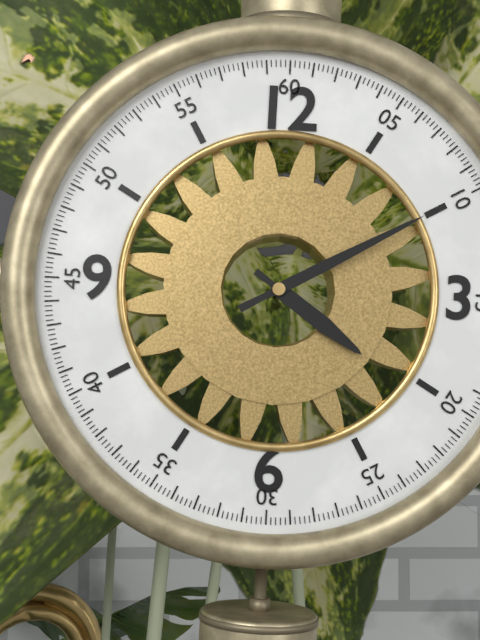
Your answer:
h=4 m=10
